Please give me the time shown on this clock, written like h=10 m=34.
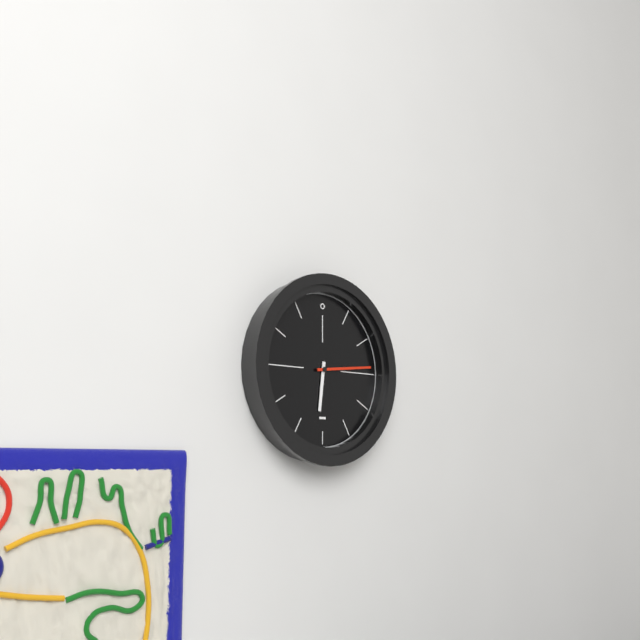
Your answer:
h=6 m=14
